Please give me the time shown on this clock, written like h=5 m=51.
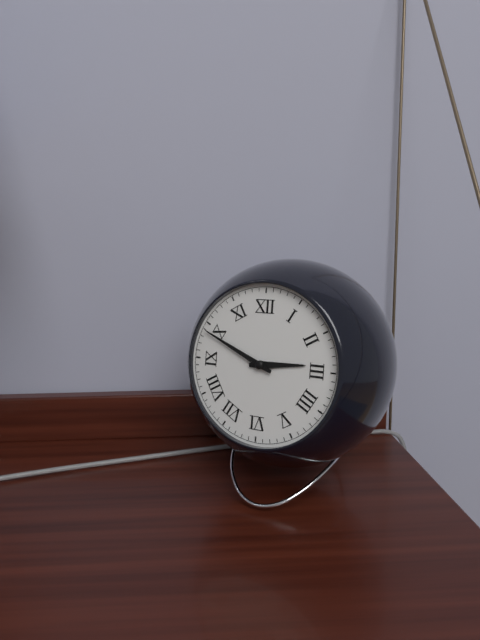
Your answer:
h=2 m=49
